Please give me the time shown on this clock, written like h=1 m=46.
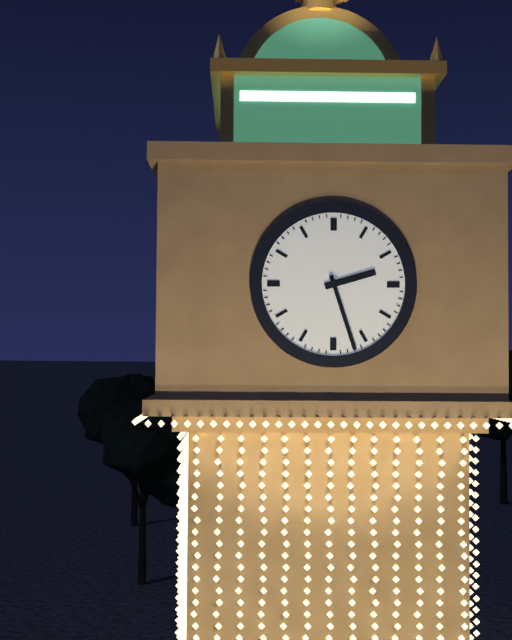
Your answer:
h=2 m=27
